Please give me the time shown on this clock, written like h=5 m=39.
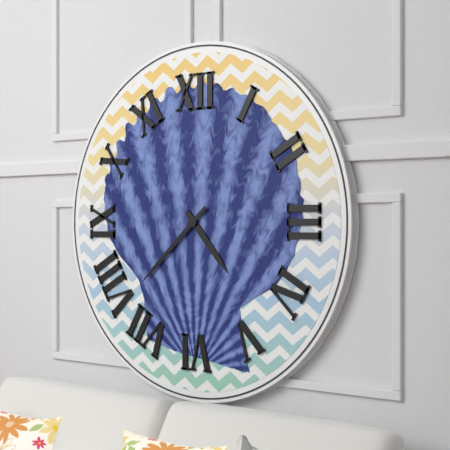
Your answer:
h=4 m=38
